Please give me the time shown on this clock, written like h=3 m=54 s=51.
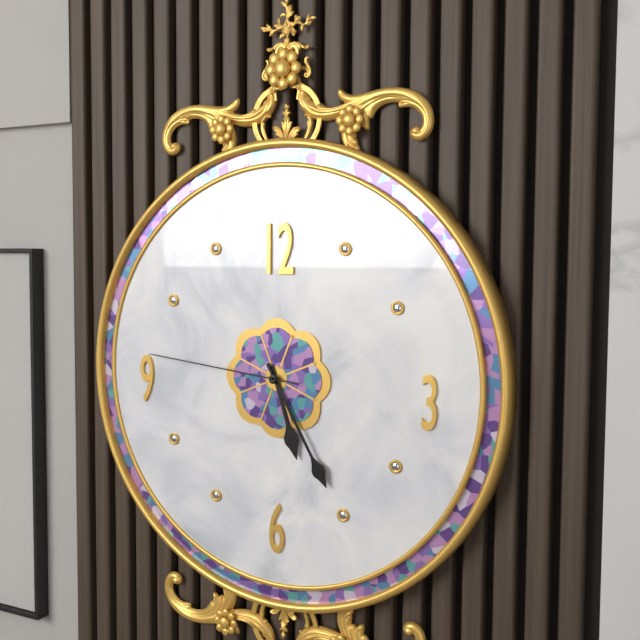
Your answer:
h=5 m=25 s=46
